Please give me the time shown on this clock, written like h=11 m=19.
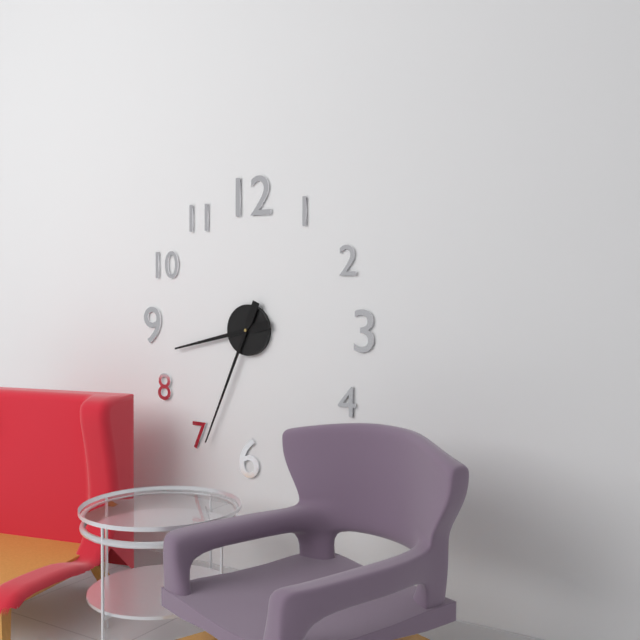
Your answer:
h=8 m=34
